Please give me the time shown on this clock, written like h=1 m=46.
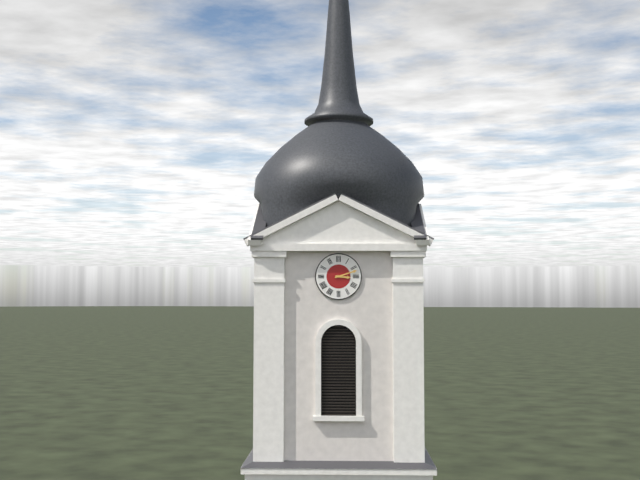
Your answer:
h=3 m=12
